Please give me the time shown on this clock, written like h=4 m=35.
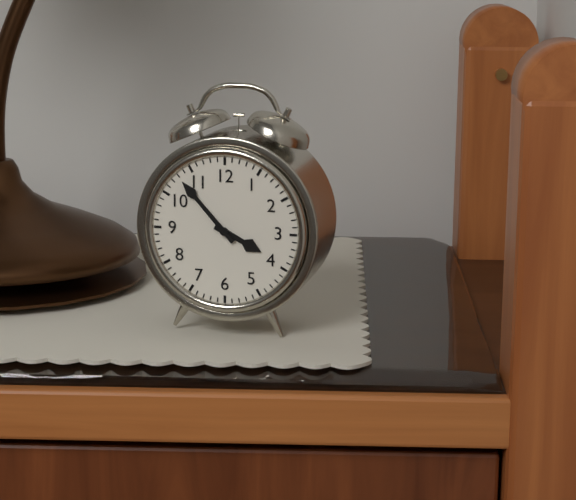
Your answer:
h=3 m=53
